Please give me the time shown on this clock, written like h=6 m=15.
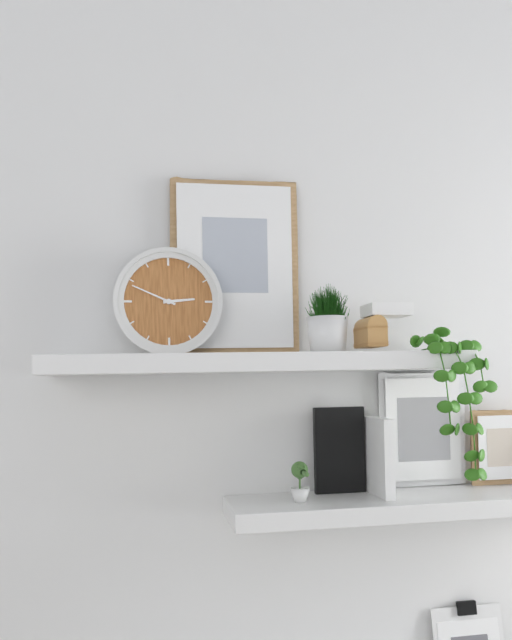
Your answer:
h=2 m=49
